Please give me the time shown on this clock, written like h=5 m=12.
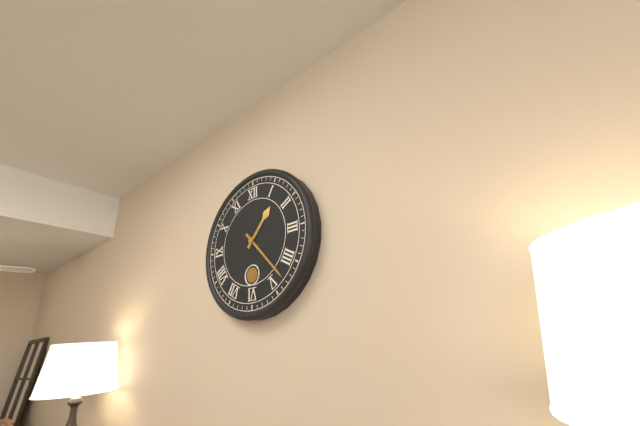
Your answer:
h=1 m=23
